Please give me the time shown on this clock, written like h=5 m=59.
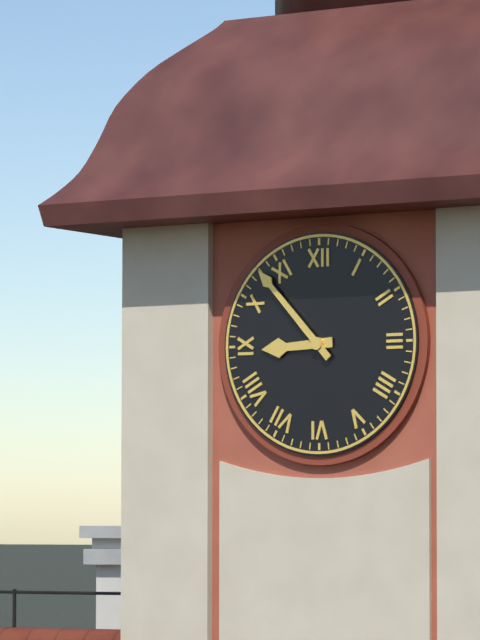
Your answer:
h=8 m=53
